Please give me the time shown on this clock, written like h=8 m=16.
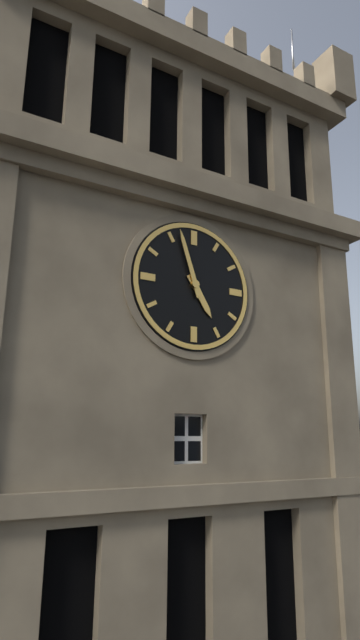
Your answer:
h=4 m=57
